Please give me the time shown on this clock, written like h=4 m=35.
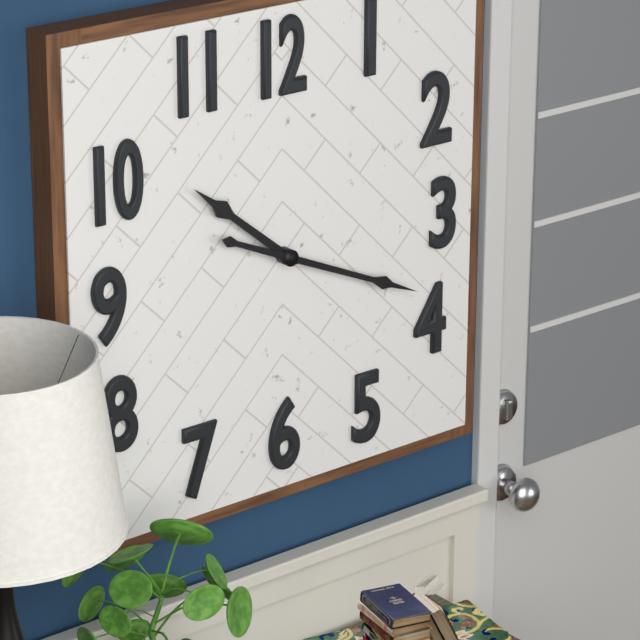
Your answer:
h=10 m=19
